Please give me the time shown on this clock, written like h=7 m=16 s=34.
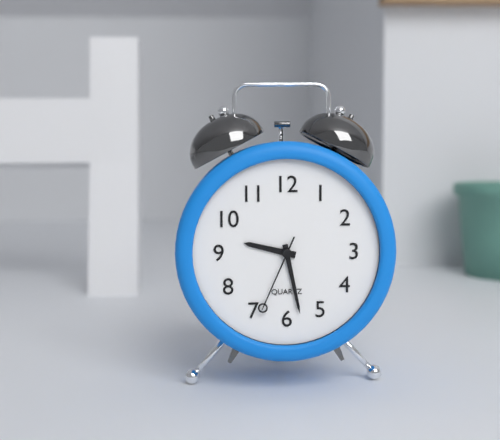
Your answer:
h=9 m=28 s=34
